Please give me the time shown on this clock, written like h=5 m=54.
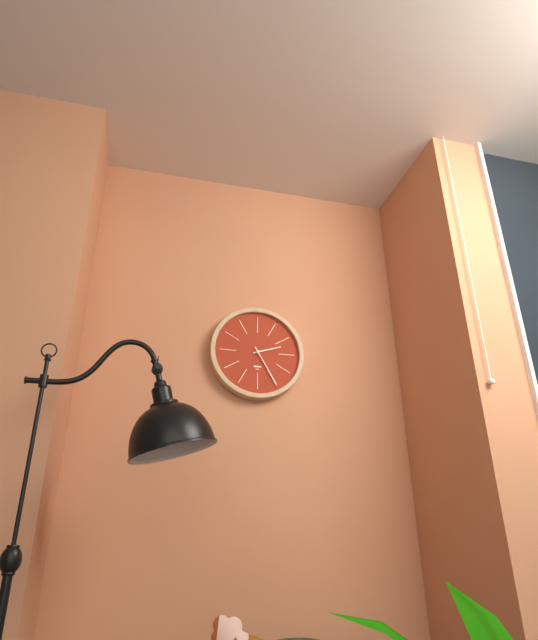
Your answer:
h=2 m=25
